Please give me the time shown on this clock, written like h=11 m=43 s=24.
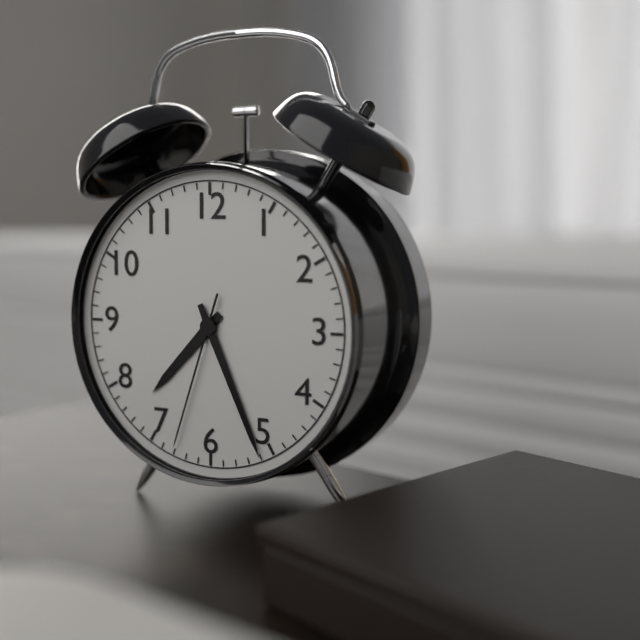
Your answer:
h=7 m=26 s=33
